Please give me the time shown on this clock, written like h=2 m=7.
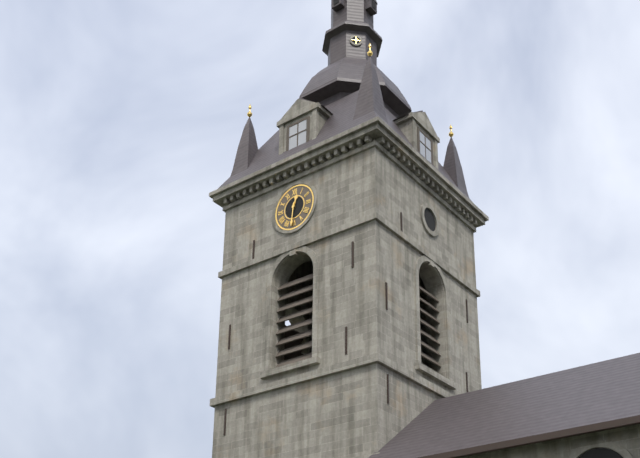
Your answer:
h=12 m=31
